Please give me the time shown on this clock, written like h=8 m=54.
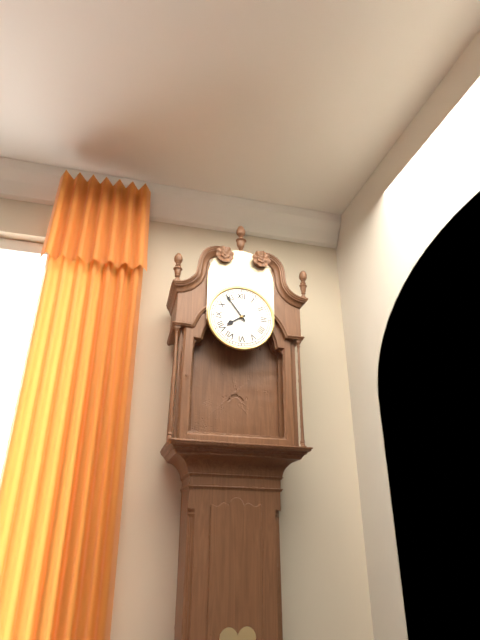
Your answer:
h=7 m=54
